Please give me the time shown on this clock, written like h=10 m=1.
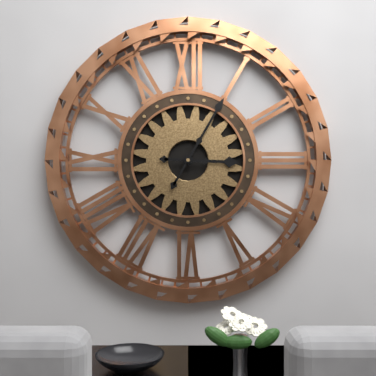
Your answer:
h=3 m=5
